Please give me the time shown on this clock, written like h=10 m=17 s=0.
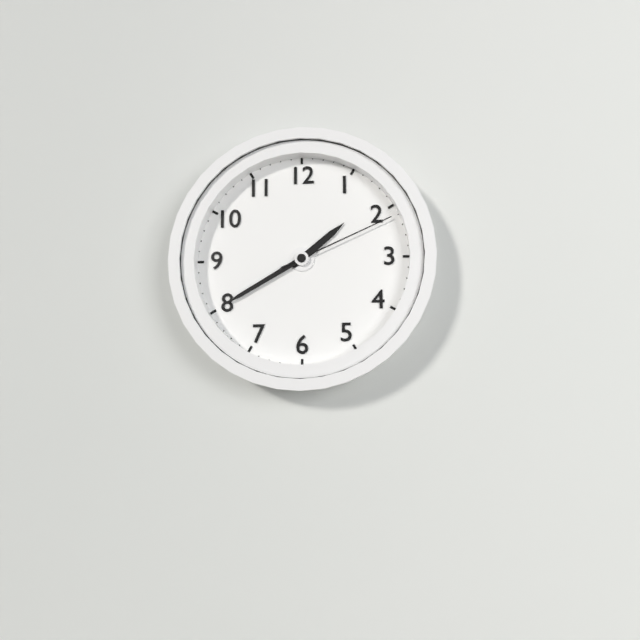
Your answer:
h=1 m=40 s=11
